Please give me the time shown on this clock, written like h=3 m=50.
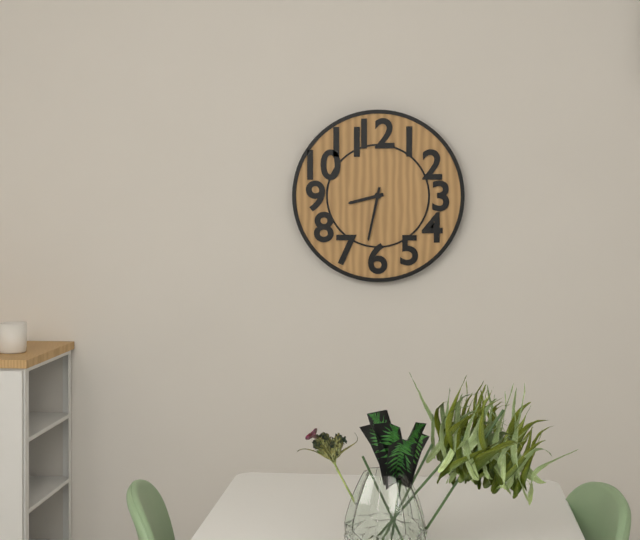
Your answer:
h=8 m=32
